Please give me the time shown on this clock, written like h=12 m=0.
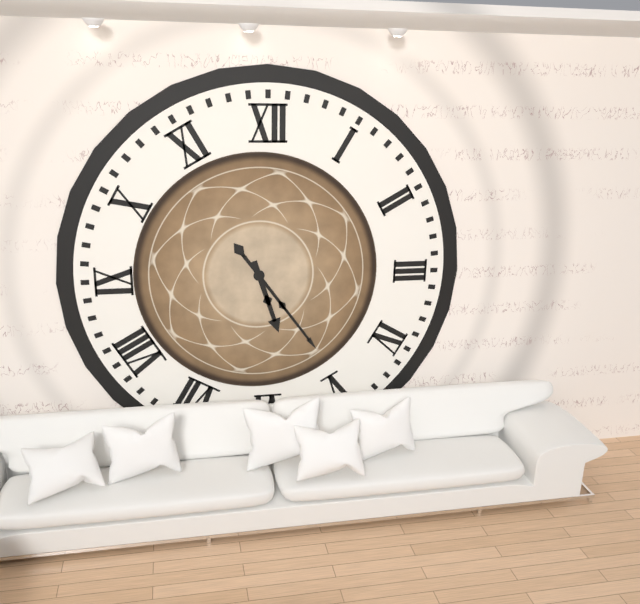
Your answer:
h=5 m=24
